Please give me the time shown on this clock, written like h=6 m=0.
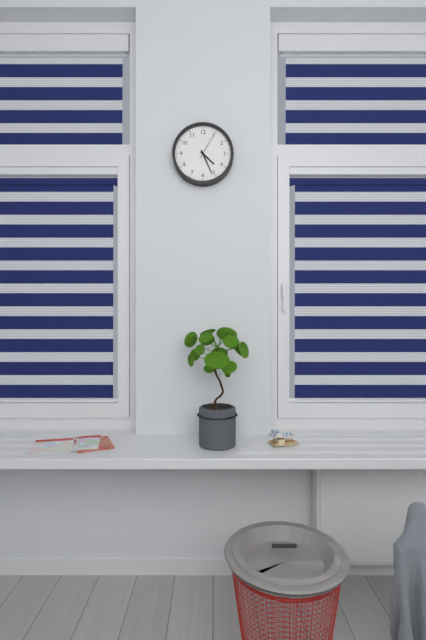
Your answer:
h=4 m=26
